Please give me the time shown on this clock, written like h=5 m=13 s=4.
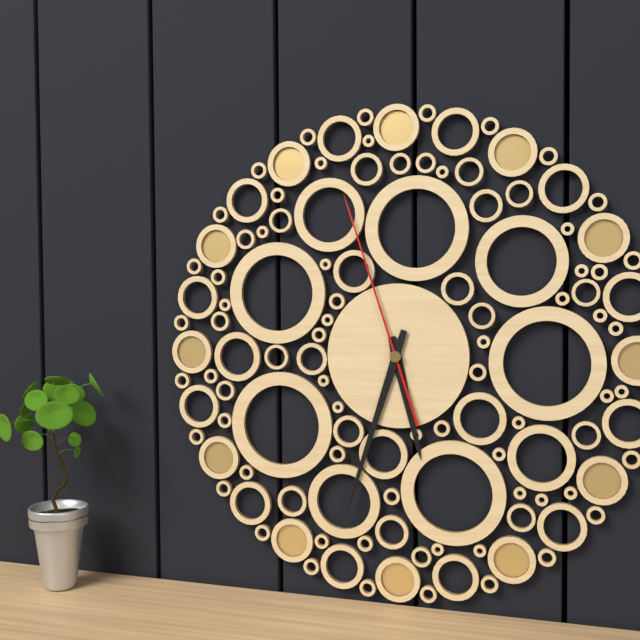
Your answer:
h=5 m=33 s=57
